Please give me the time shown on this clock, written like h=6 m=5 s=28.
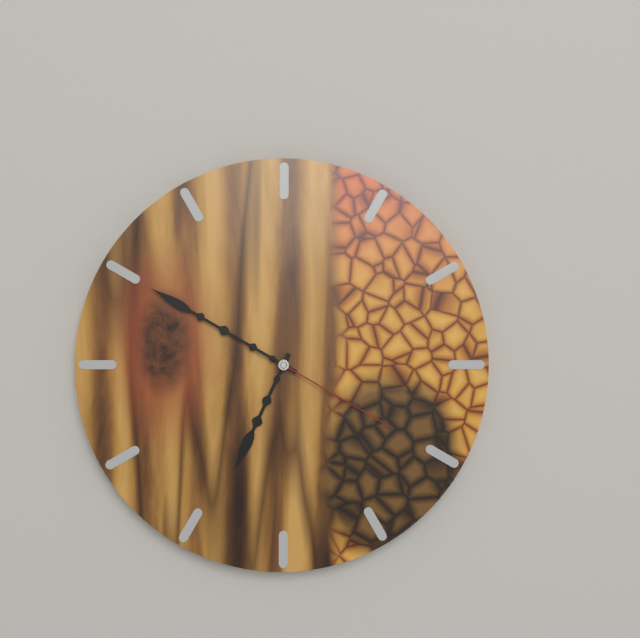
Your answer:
h=6 m=50 s=20
